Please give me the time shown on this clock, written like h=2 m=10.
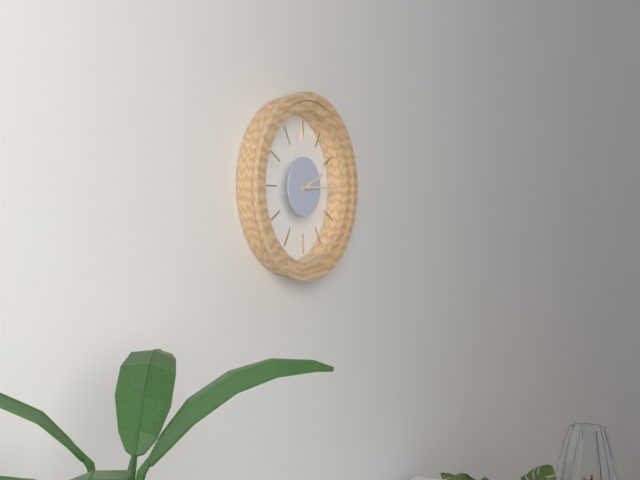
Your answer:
h=2 m=15
